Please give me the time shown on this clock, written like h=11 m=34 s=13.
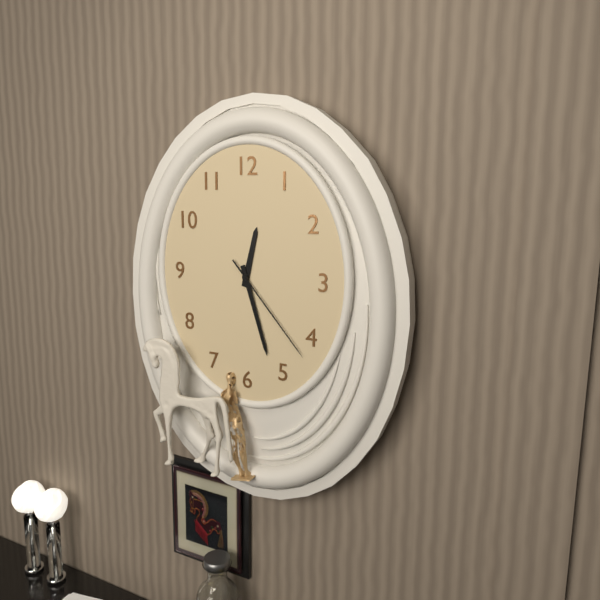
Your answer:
h=12 m=27 s=23
